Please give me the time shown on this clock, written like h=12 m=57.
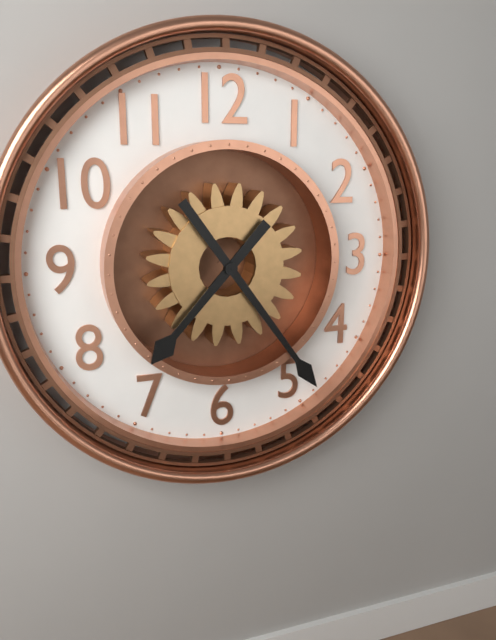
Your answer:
h=7 m=24
